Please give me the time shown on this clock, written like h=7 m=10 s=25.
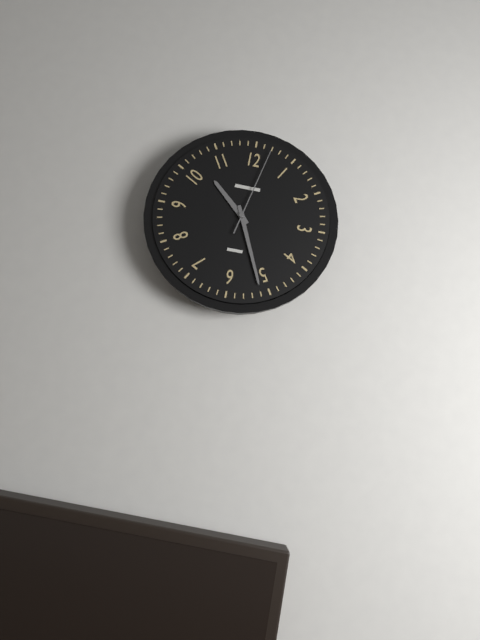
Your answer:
h=10 m=26 s=2
